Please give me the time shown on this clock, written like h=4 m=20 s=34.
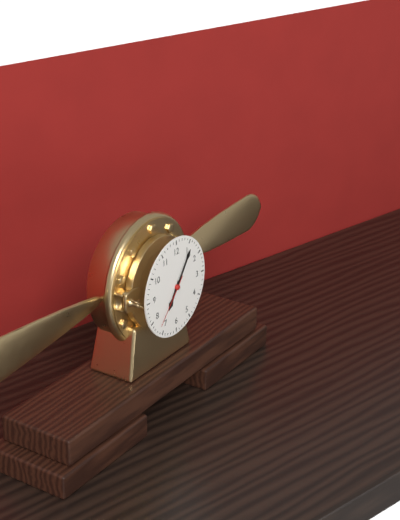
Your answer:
h=7 m=6 s=37
